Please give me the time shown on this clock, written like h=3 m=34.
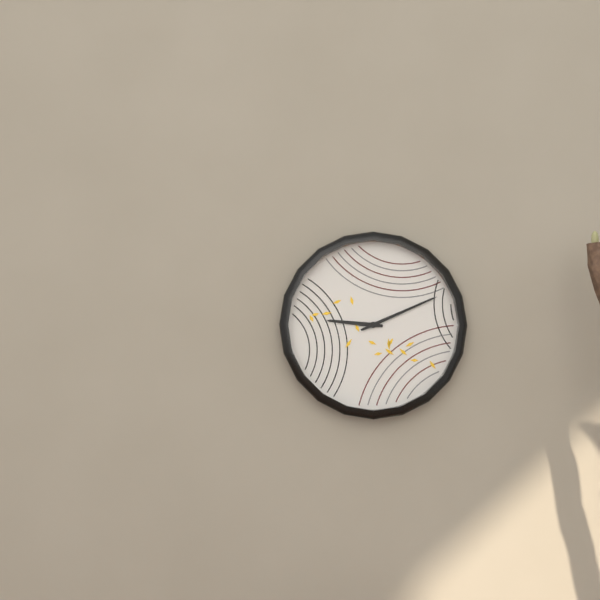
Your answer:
h=9 m=11
